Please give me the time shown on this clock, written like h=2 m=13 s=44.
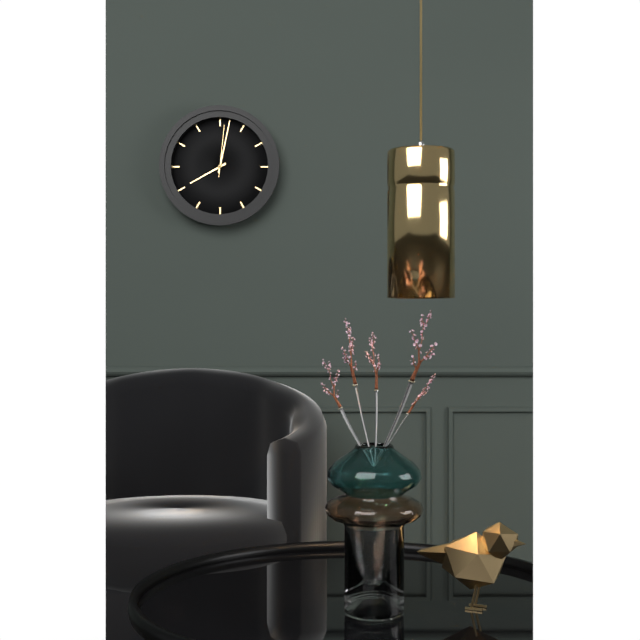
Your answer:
h=8 m=2 s=1
